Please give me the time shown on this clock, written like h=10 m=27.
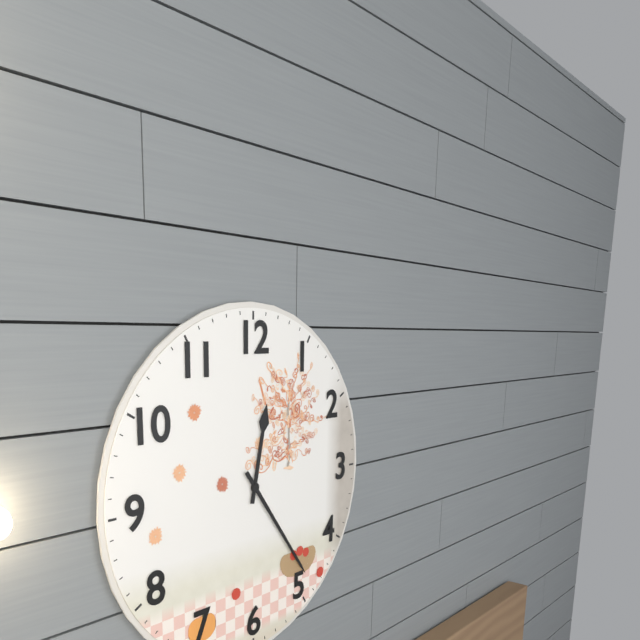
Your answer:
h=12 m=24
